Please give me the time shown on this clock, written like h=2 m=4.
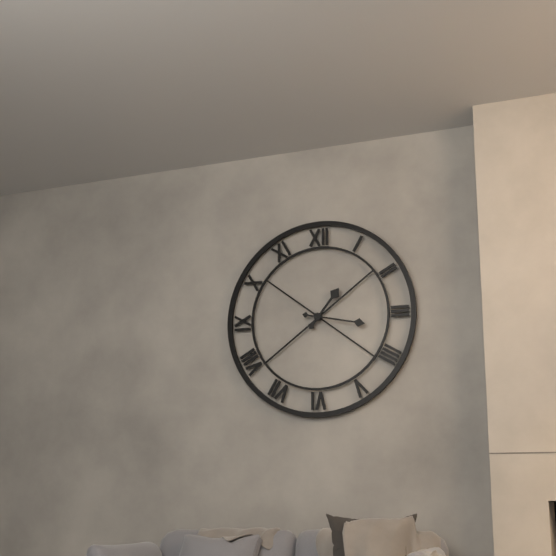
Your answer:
h=1 m=17
